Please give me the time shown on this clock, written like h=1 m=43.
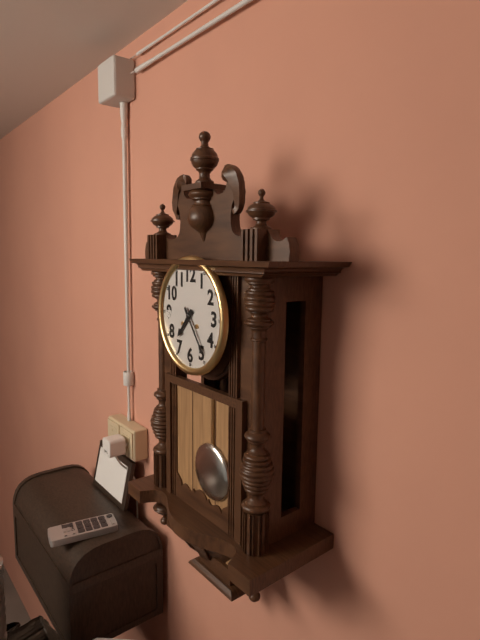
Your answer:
h=7 m=24
